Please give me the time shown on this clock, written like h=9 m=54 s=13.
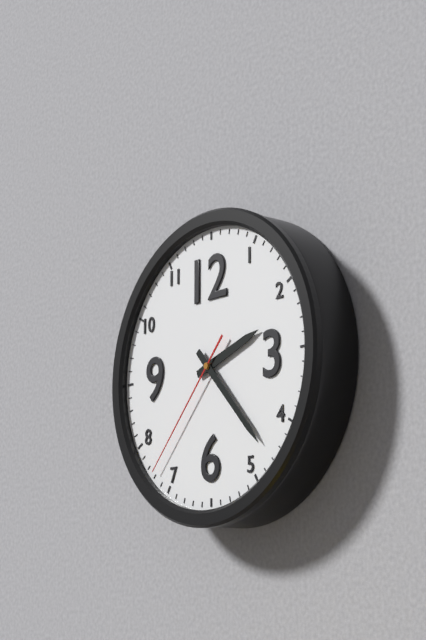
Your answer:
h=2 m=23 s=37
